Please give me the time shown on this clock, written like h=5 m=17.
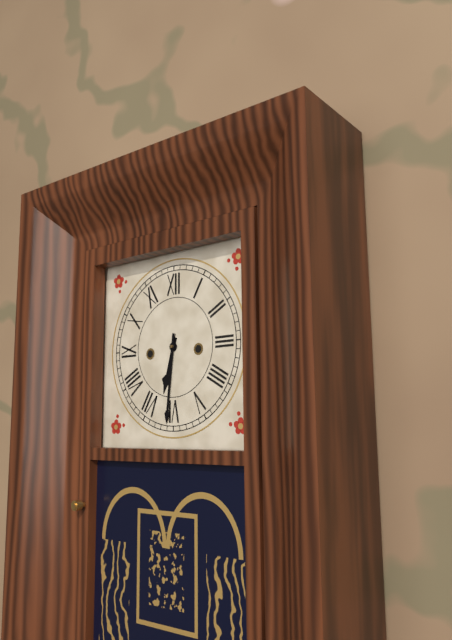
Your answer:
h=6 m=31
